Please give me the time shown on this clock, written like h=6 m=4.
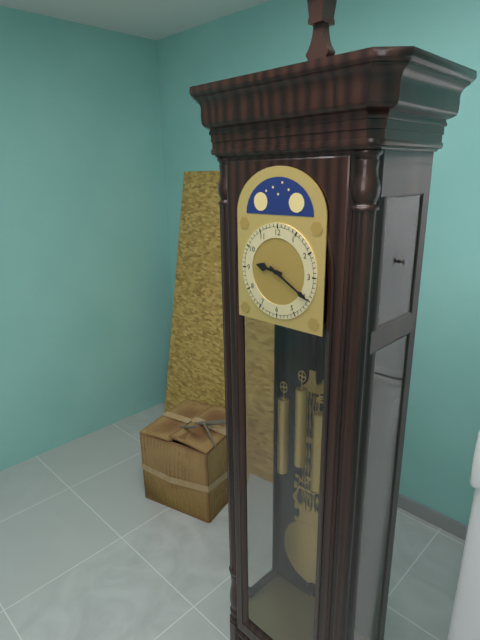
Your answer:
h=9 m=20
